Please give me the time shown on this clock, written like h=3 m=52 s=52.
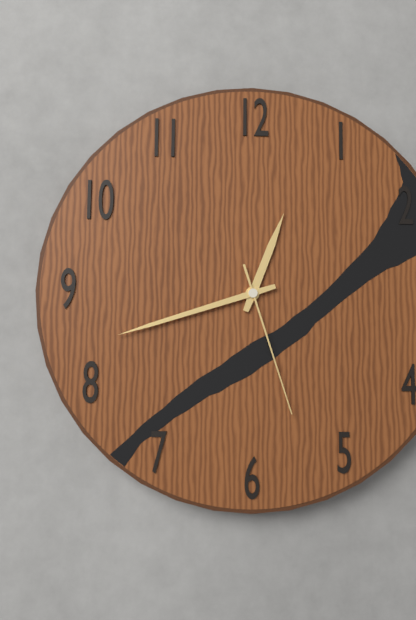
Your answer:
h=12 m=42 s=27
